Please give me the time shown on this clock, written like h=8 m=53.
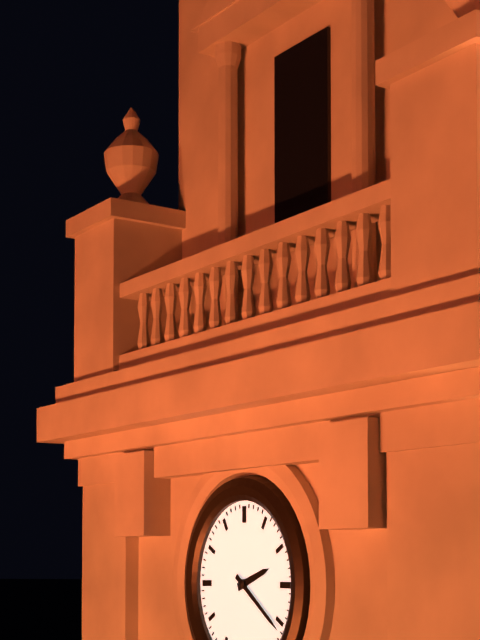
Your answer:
h=2 m=21
